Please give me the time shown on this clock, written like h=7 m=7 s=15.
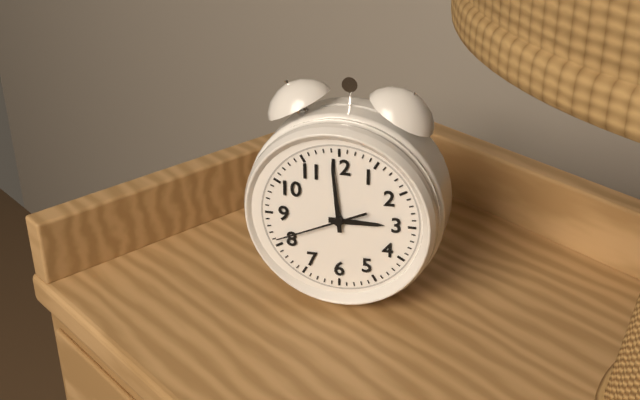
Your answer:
h=2 m=59 s=41
